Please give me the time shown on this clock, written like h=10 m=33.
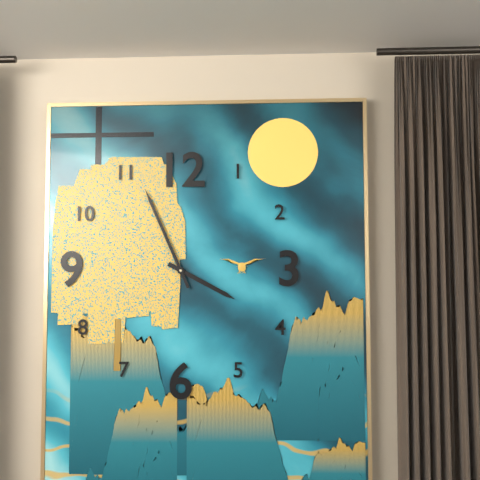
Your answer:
h=3 m=56
